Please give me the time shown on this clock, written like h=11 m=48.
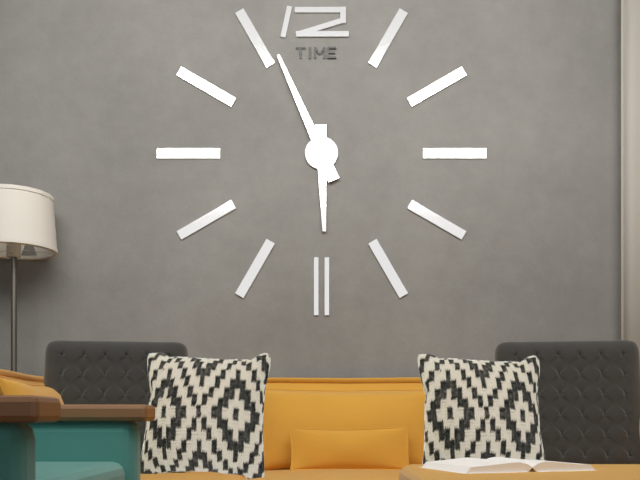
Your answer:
h=5 m=56
